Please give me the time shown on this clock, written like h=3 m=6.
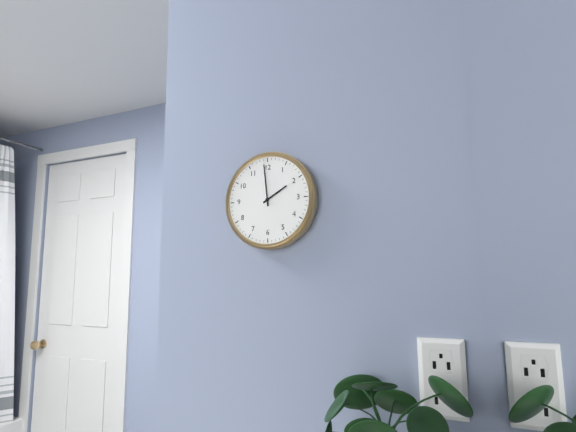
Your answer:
h=1 m=59
